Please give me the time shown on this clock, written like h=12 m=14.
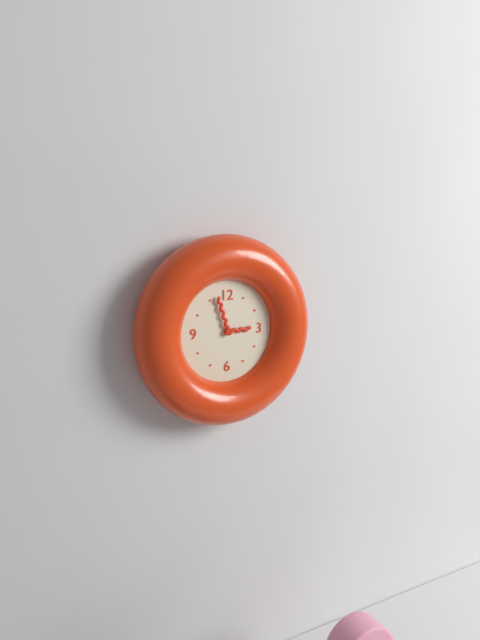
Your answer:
h=2 m=57
